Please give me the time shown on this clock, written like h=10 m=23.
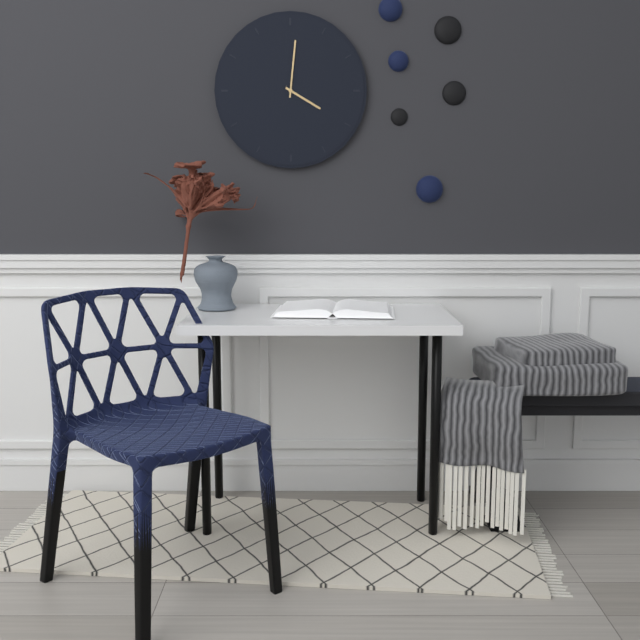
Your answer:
h=4 m=1
